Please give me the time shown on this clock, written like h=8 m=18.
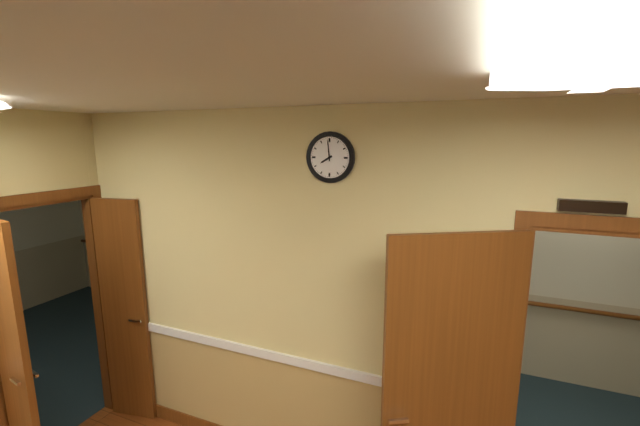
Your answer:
h=7 m=59
